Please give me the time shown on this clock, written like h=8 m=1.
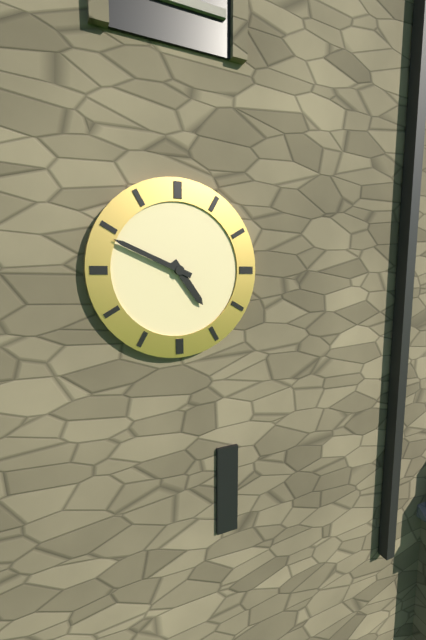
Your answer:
h=4 m=49
